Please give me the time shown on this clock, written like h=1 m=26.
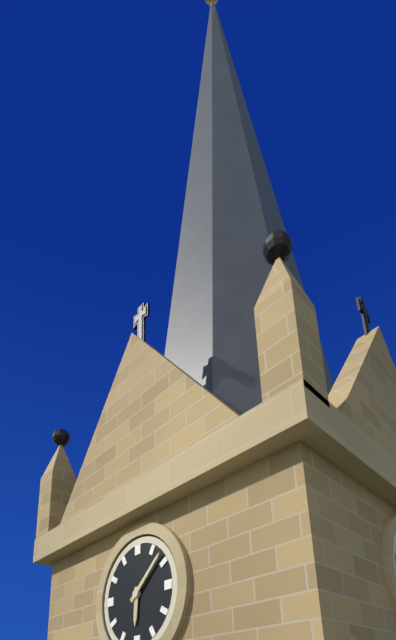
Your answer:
h=6 m=8
